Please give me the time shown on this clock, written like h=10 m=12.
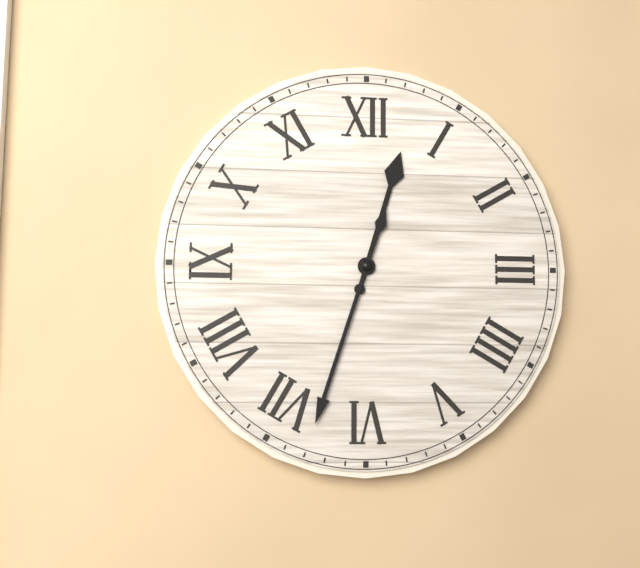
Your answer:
h=12 m=33
